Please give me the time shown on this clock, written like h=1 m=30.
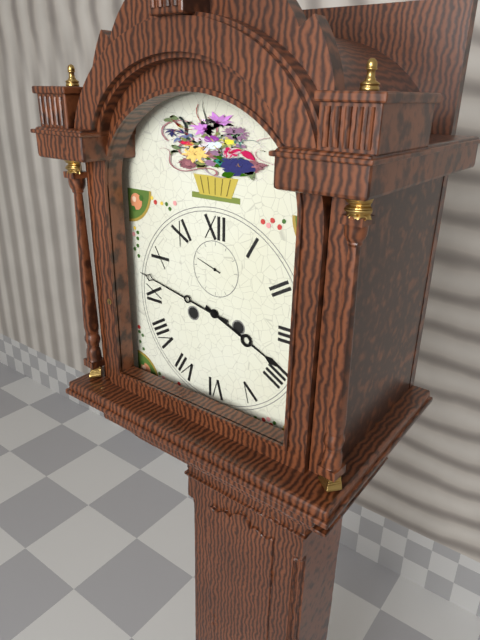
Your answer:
h=3 m=47
